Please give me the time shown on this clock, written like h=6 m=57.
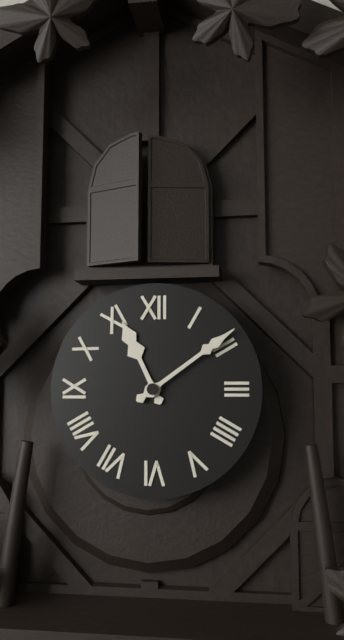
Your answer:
h=11 m=9
